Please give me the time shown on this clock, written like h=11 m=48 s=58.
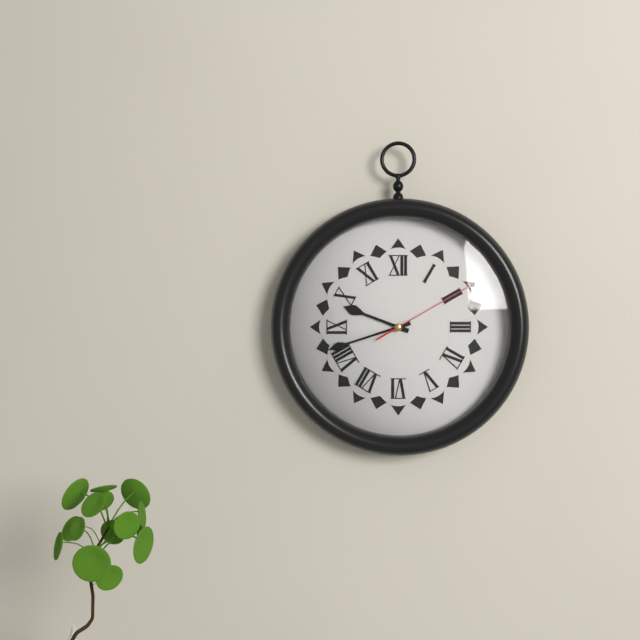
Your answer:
h=9 m=42 s=10
